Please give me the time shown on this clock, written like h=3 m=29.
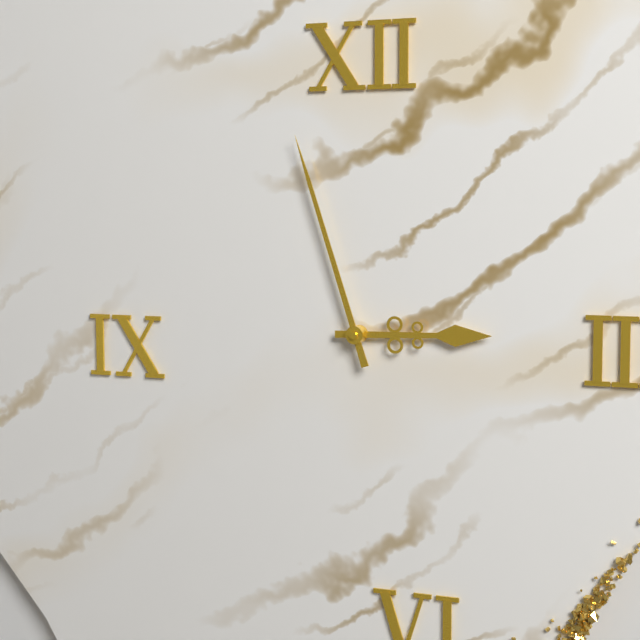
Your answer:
h=2 m=57
